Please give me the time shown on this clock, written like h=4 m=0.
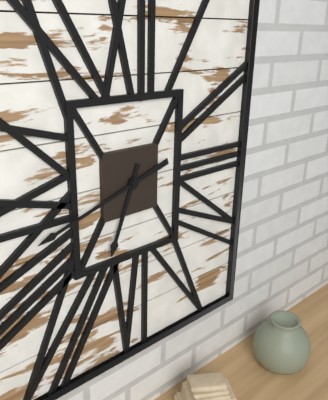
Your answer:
h=6 m=42
